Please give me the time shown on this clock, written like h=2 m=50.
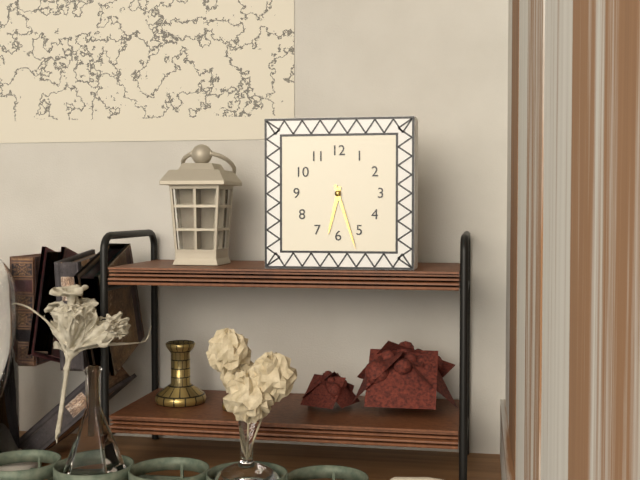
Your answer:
h=6 m=27
